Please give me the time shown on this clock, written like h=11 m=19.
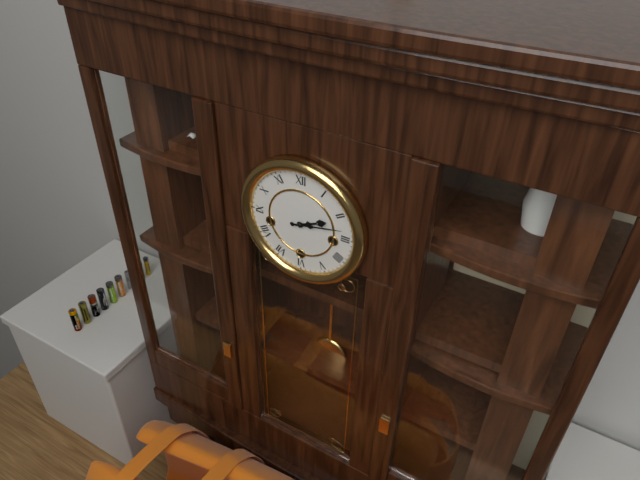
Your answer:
h=2 m=13
